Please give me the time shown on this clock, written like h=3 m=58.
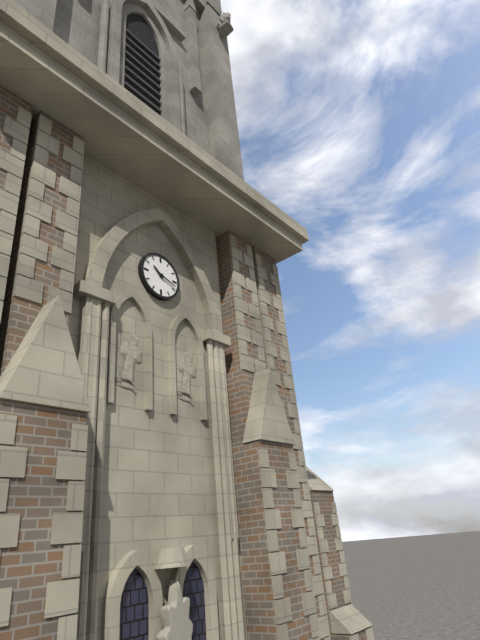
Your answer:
h=10 m=18
